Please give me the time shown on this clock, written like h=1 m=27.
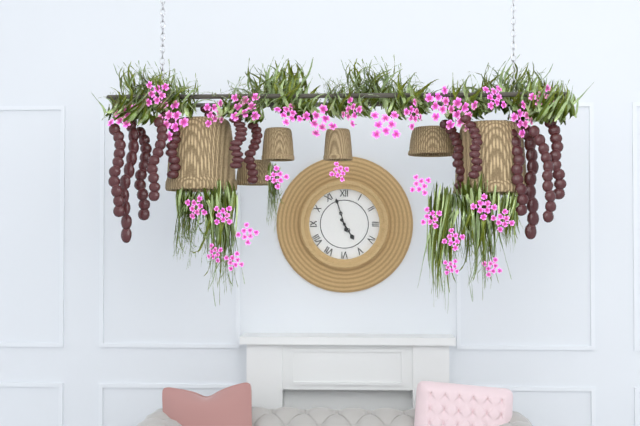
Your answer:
h=4 m=57
